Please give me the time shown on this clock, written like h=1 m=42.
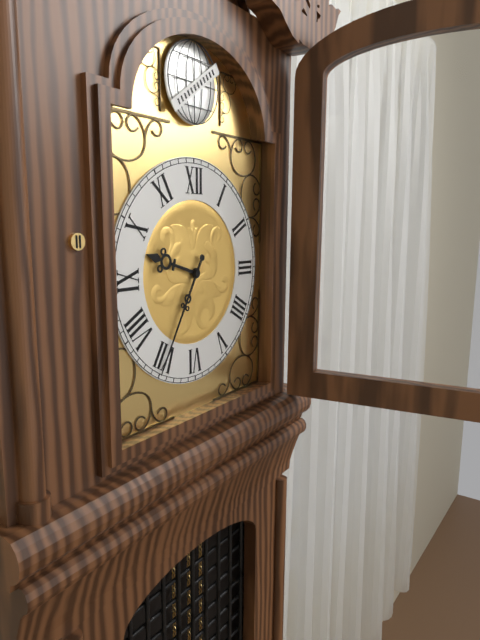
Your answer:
h=9 m=35
